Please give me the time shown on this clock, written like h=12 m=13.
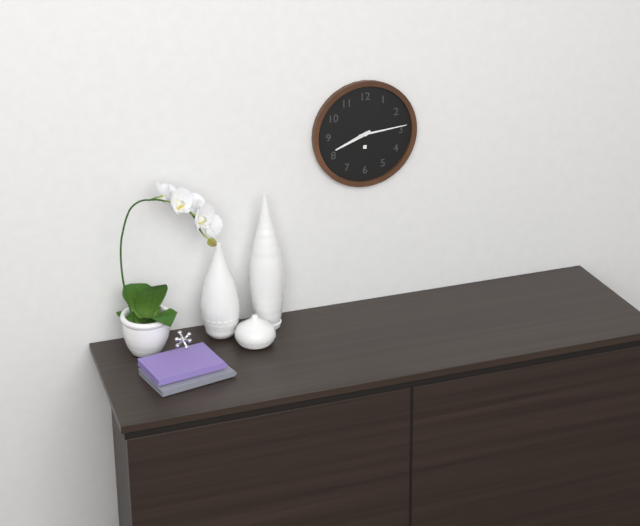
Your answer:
h=8 m=14
